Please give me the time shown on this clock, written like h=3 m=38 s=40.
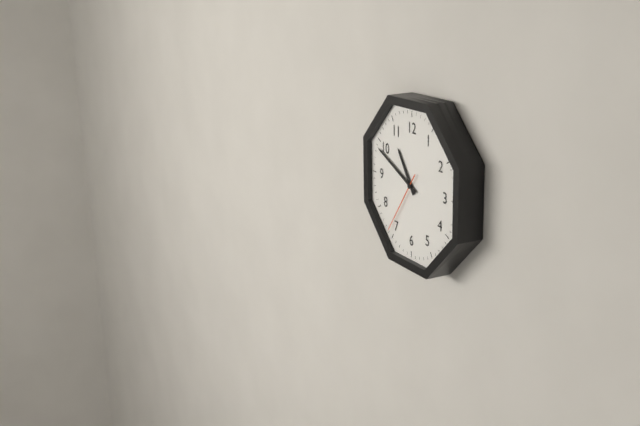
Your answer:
h=10 m=49 s=36
